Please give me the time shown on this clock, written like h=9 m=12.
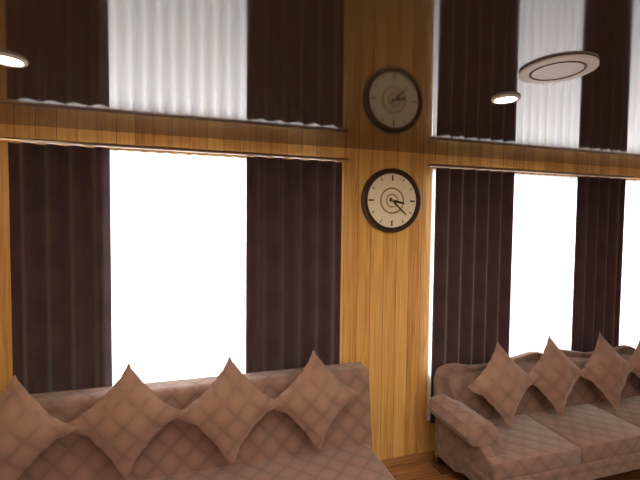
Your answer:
h=3 m=22
